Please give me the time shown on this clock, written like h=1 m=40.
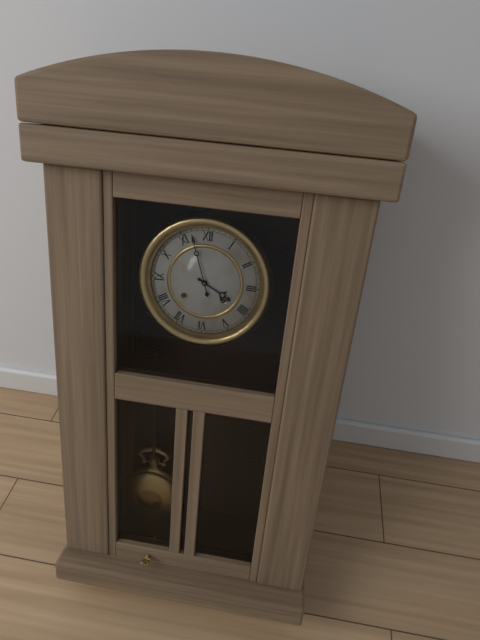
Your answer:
h=3 m=57
